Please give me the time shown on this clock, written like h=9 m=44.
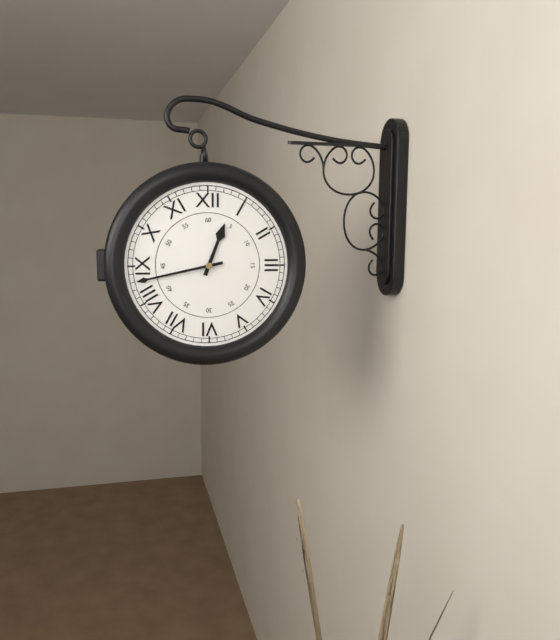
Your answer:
h=12 m=43
